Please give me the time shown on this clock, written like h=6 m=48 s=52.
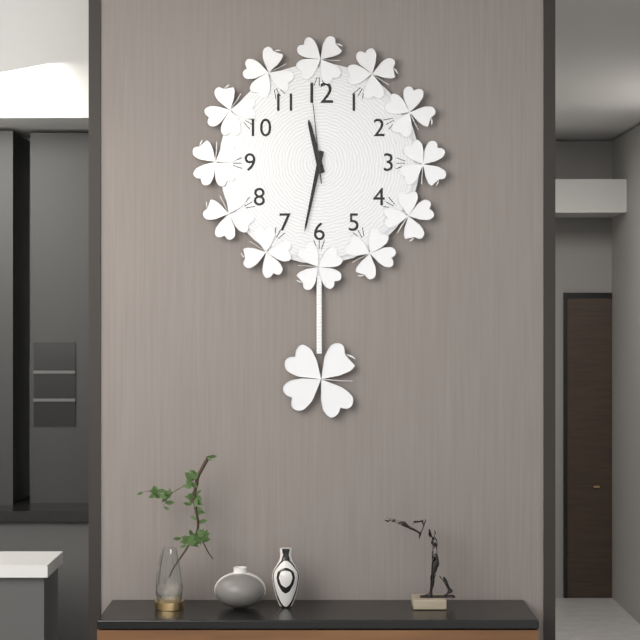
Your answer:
h=11 m=32 s=59
